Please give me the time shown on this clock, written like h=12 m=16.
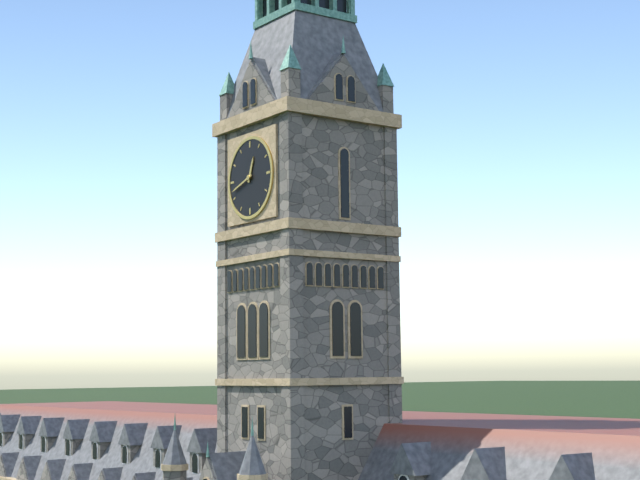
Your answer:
h=12 m=42
